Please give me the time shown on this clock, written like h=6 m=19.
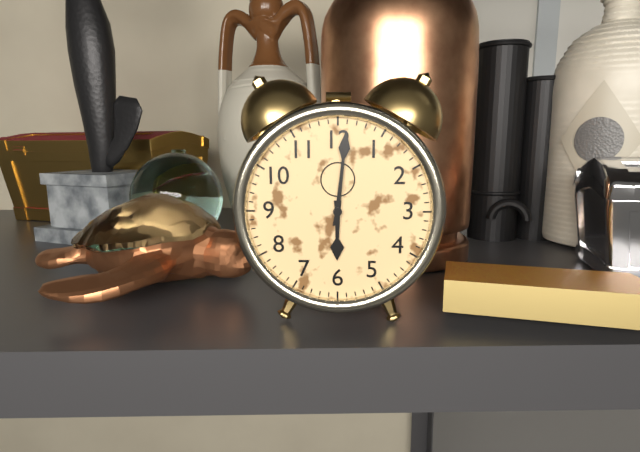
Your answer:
h=6 m=1
